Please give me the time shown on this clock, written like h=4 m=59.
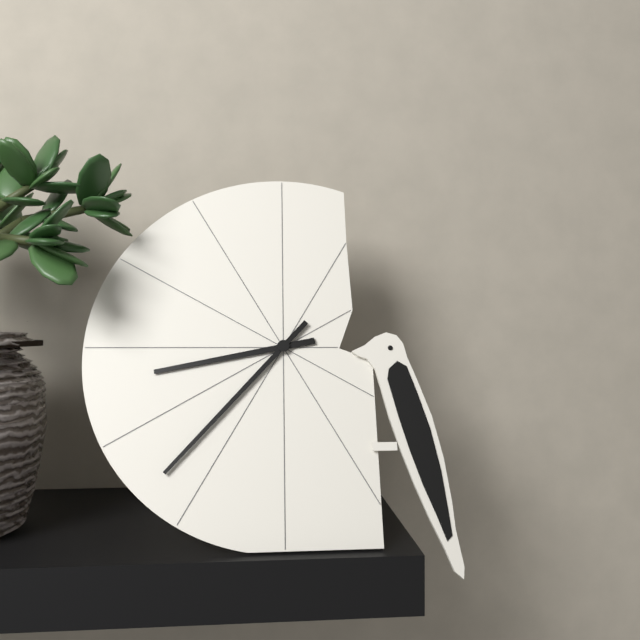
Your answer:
h=8 m=37
